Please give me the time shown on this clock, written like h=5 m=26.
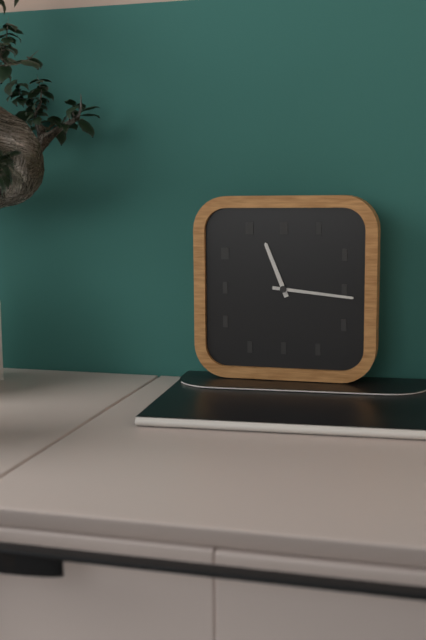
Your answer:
h=11 m=16
